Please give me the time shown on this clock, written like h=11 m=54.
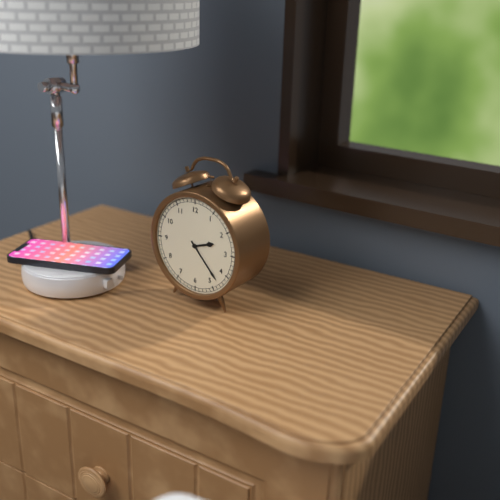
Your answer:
h=2 m=23
